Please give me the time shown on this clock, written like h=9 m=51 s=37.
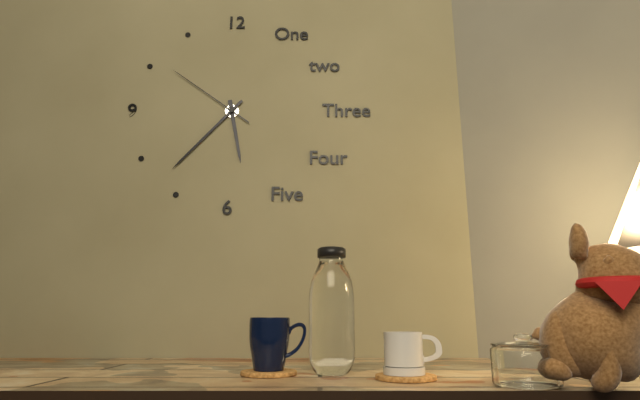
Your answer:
h=5 m=37 s=51
